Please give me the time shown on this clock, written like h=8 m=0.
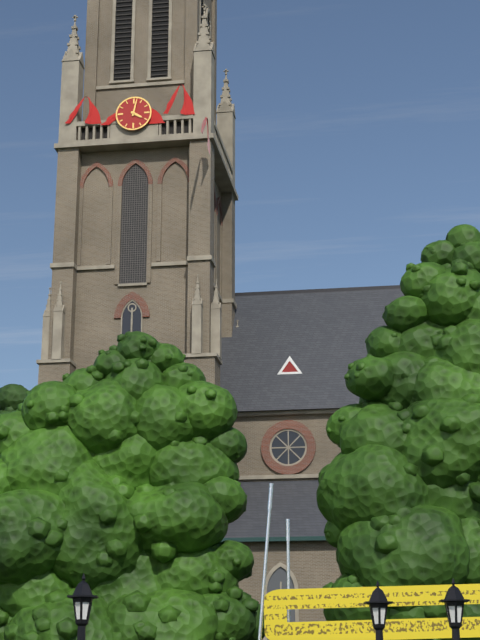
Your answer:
h=4 m=2
